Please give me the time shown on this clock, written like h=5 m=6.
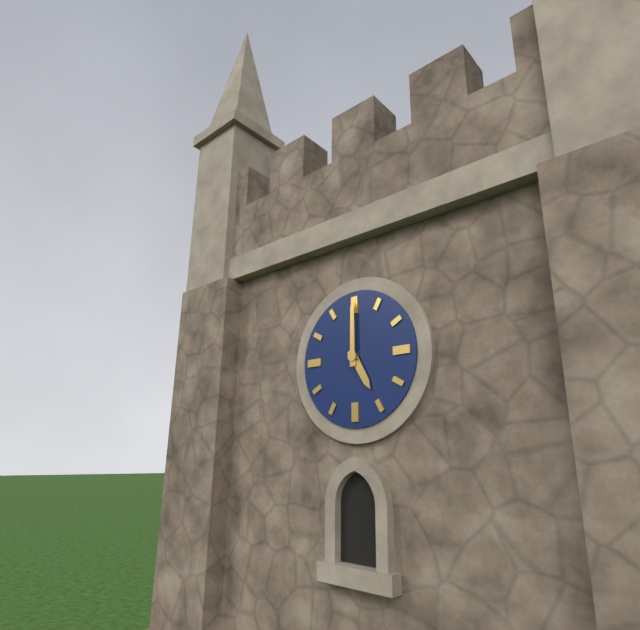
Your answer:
h=5 m=0
